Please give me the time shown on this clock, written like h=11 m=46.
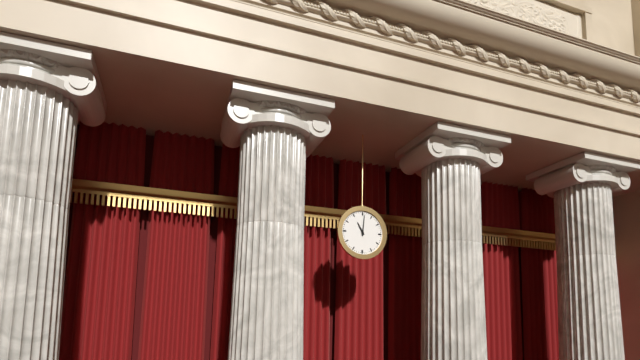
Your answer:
h=11 m=1
